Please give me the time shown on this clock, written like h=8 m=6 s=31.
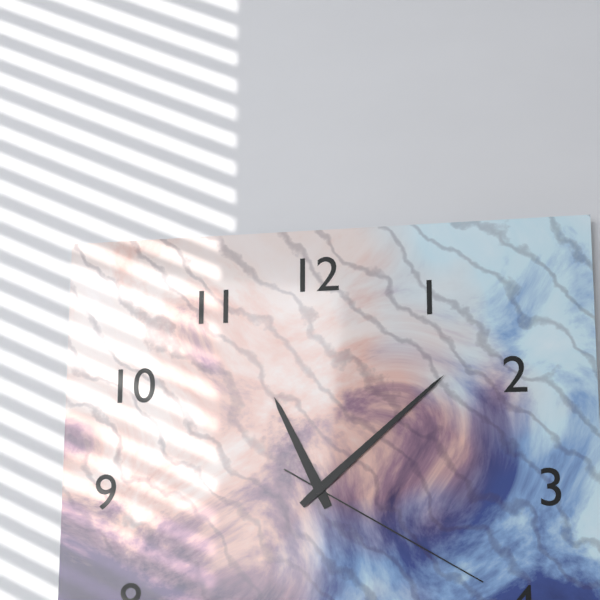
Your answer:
h=11 m=8 s=20
